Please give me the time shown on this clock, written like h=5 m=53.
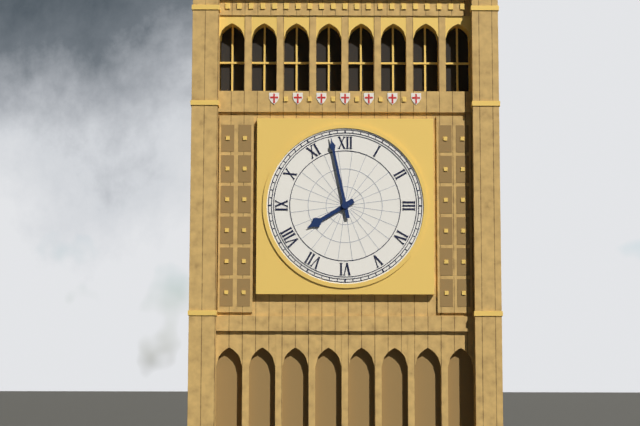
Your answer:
h=7 m=58
